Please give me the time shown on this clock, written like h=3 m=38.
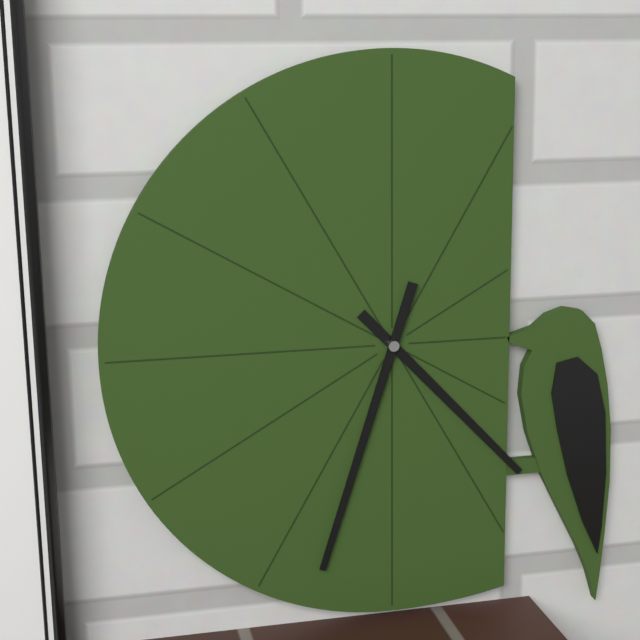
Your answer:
h=4 m=33
